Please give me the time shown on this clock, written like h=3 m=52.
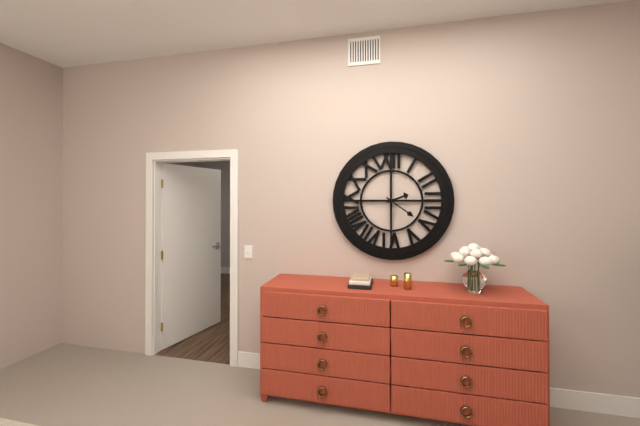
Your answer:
h=2 m=21
